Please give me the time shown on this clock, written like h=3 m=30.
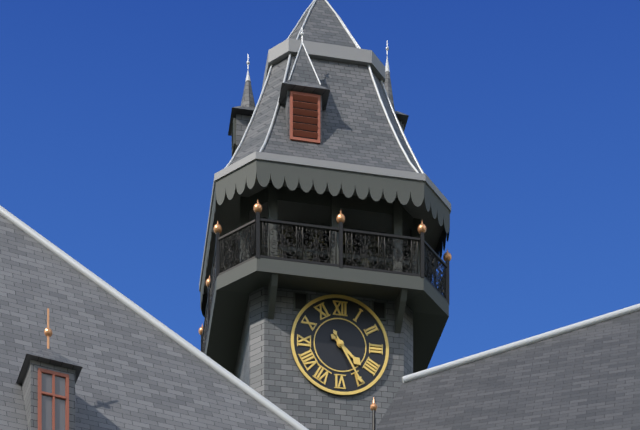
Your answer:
h=4 m=25
